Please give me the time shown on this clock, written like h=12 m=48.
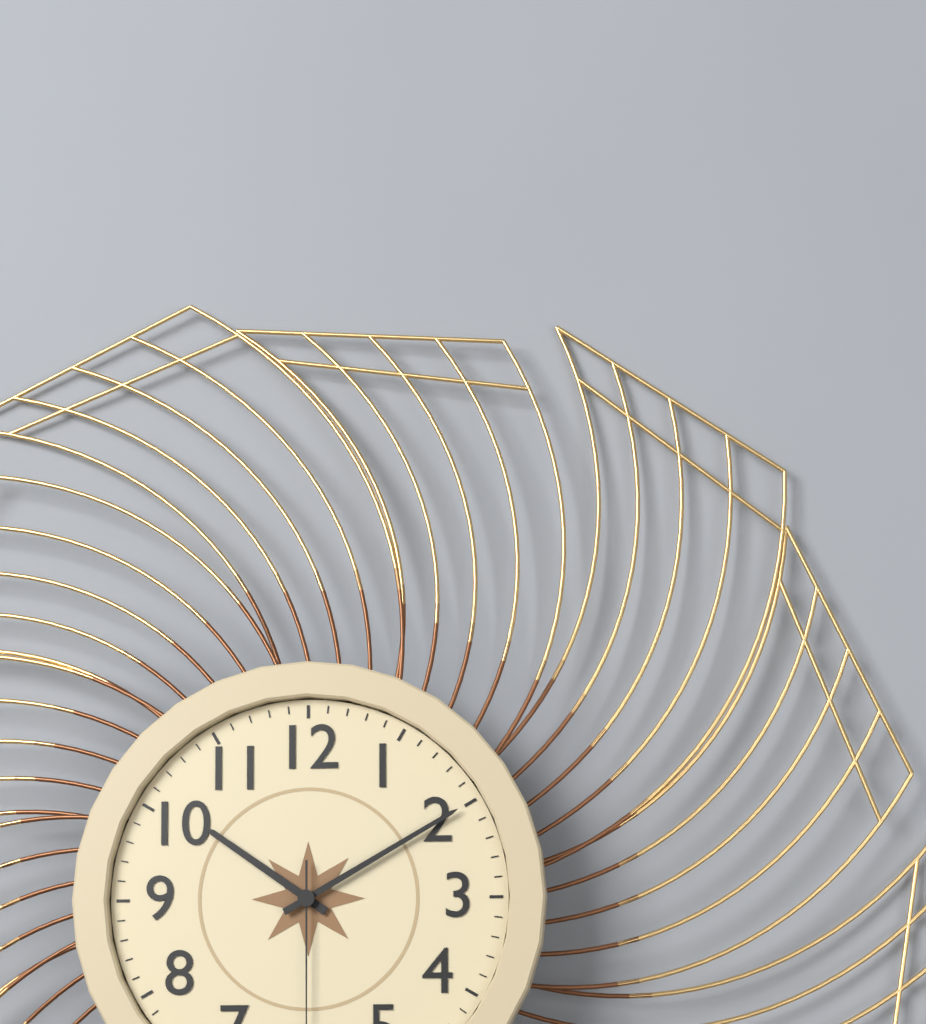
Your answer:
h=10 m=10
